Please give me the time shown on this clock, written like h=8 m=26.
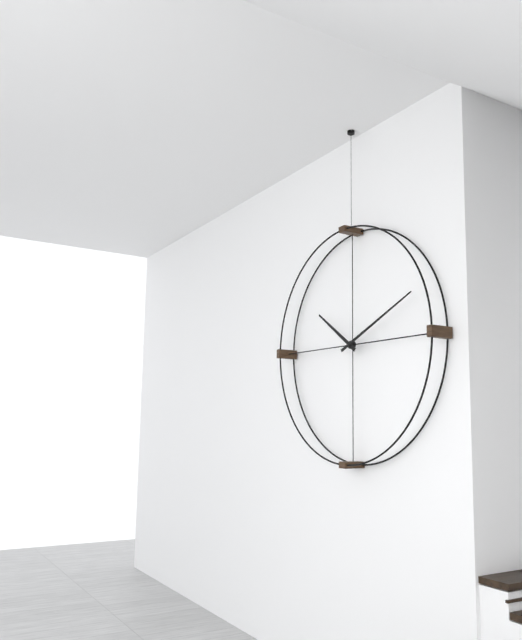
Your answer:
h=10 m=11
